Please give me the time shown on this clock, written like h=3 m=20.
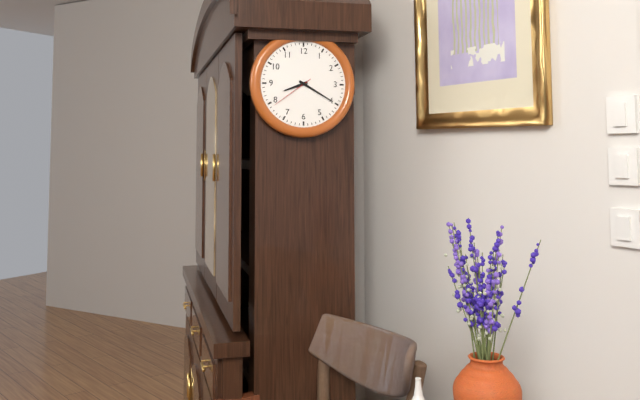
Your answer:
h=8 m=20
